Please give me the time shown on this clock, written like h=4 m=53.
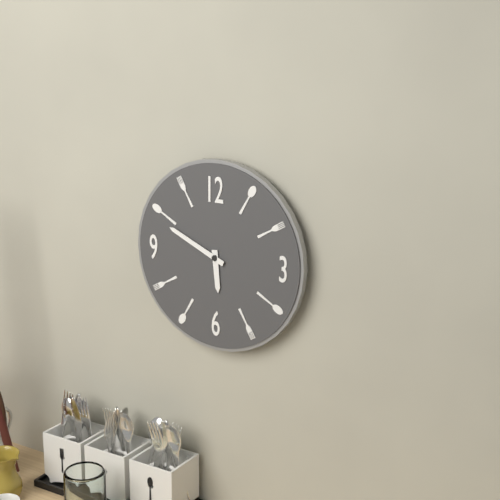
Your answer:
h=5 m=49
